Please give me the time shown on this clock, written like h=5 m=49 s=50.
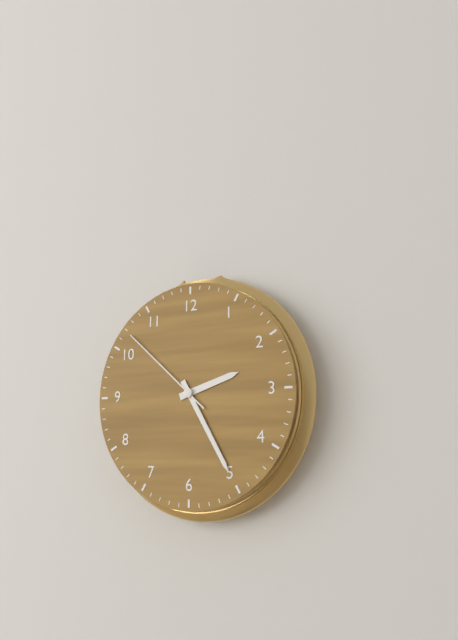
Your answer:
h=2 m=25 s=52
